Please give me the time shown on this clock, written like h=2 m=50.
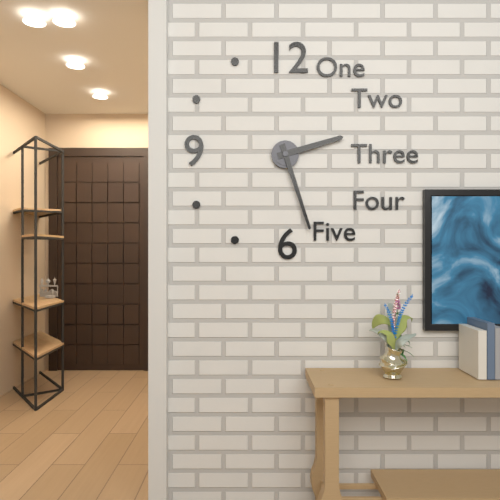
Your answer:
h=2 m=27
